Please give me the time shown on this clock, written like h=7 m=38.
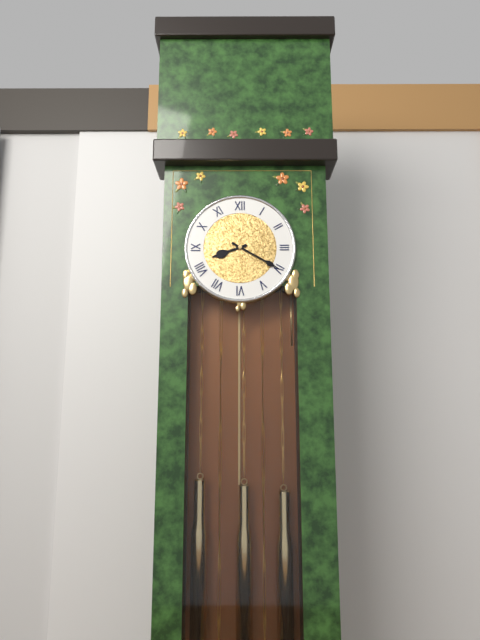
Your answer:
h=8 m=20
